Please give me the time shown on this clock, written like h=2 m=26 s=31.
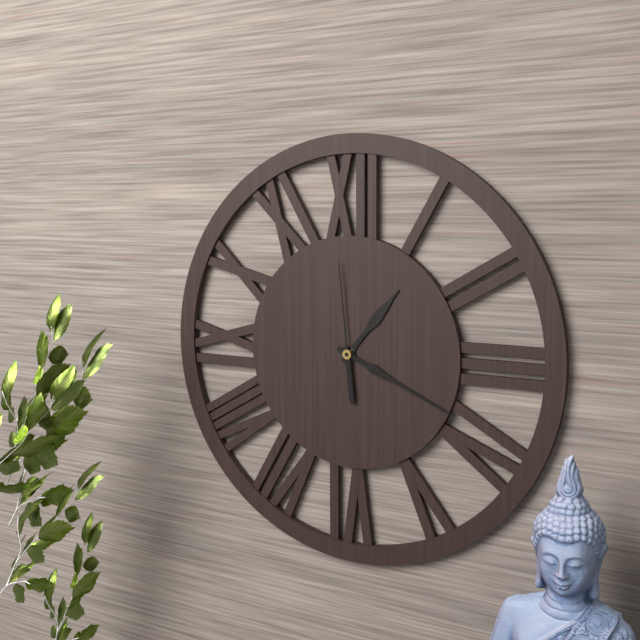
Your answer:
h=1 m=19 s=59
